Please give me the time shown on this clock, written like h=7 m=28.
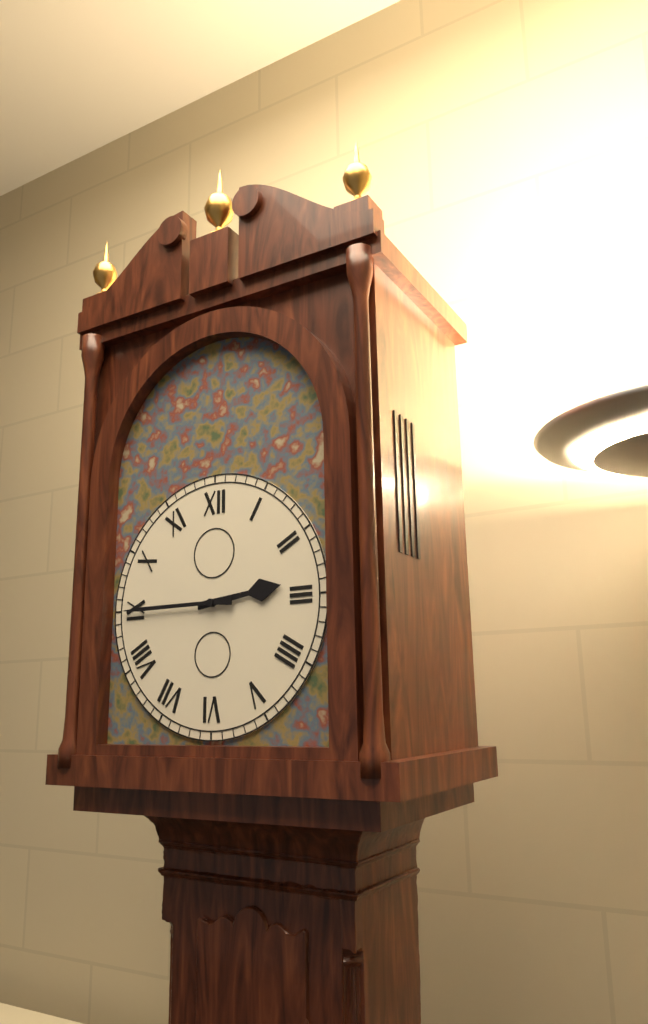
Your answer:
h=2 m=45
